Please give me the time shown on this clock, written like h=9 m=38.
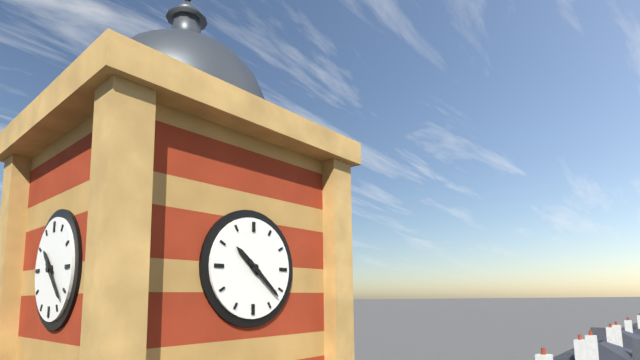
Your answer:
h=10 m=22
